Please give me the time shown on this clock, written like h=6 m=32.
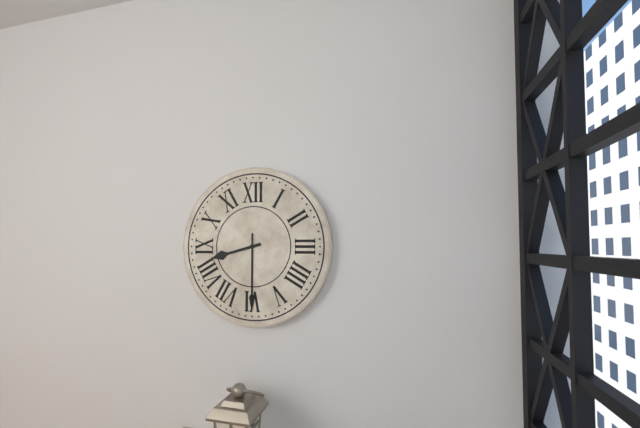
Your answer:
h=8 m=30
